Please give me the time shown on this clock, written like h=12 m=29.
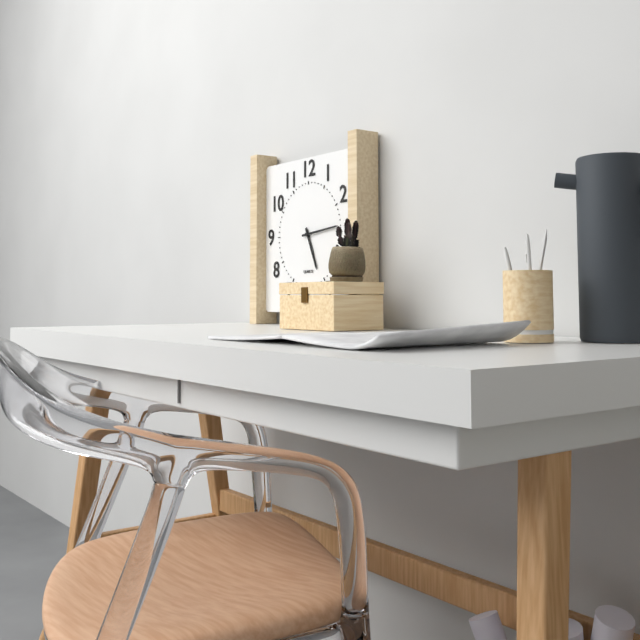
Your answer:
h=5 m=14
